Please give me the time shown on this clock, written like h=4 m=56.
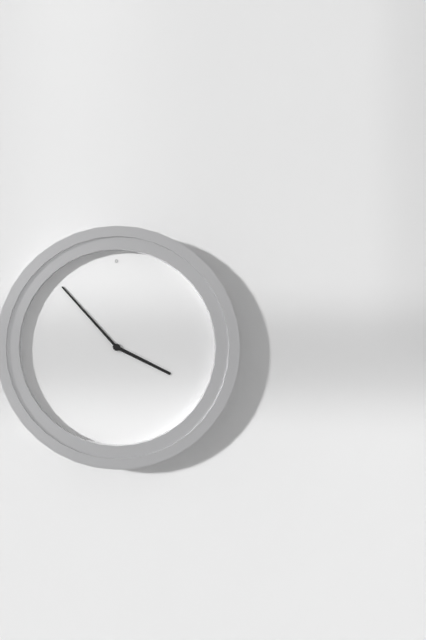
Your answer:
h=3 m=53
